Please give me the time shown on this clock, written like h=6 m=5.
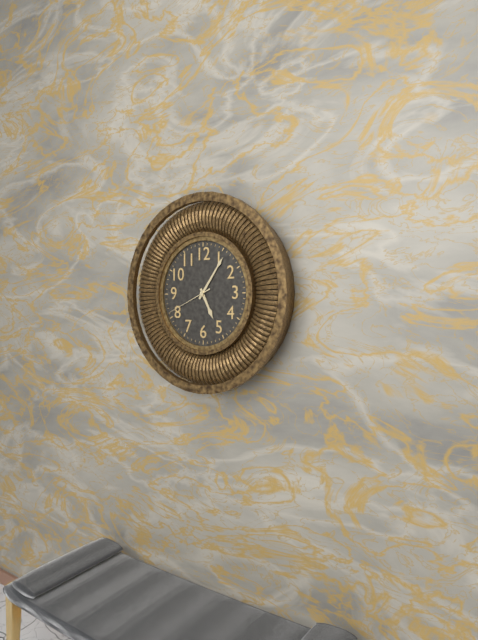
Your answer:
h=5 m=6
